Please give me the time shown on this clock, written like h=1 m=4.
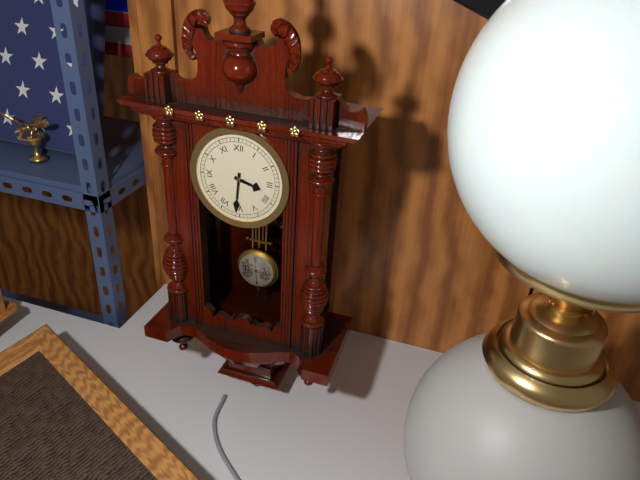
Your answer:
h=3 m=31
